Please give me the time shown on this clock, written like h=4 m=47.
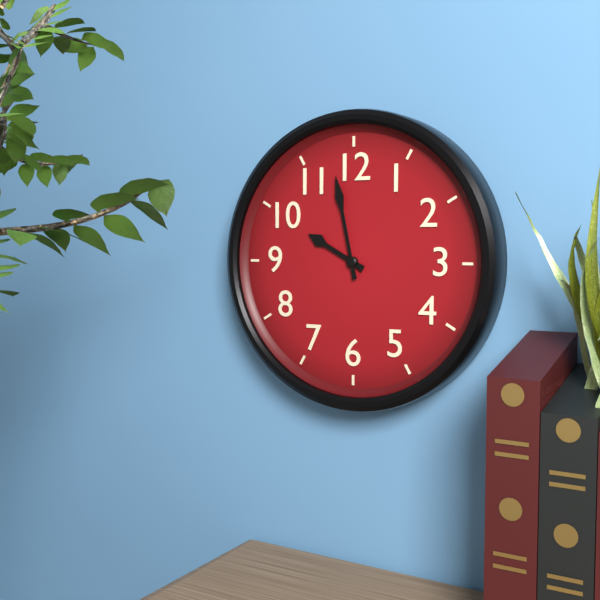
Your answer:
h=9 m=58
